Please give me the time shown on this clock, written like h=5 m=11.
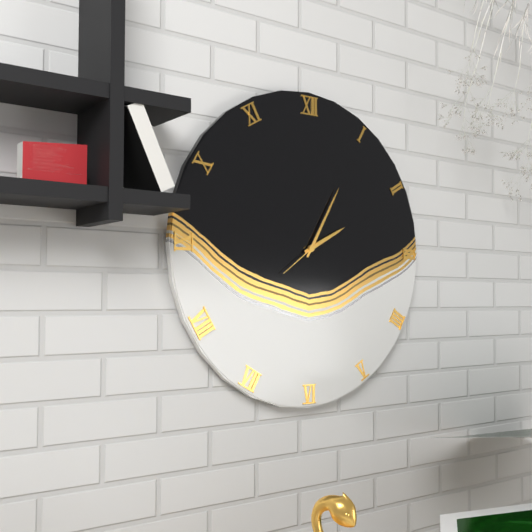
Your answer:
h=2 m=5
